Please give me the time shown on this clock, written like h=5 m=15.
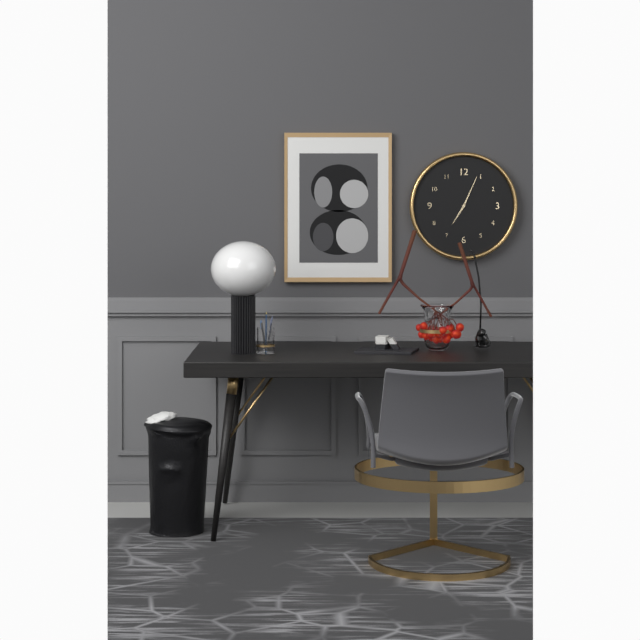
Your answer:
h=7 m=4
